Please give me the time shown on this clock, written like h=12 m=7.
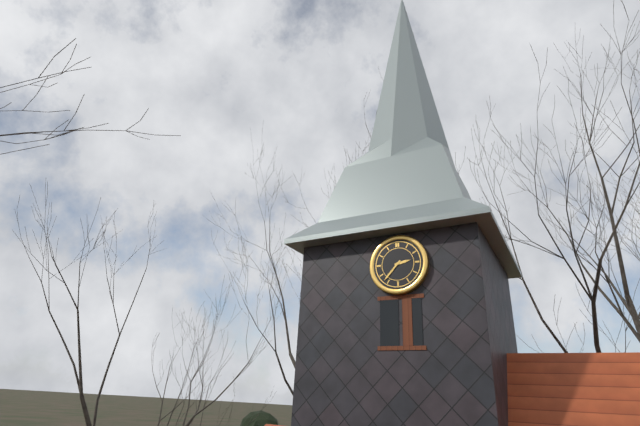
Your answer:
h=2 m=37
